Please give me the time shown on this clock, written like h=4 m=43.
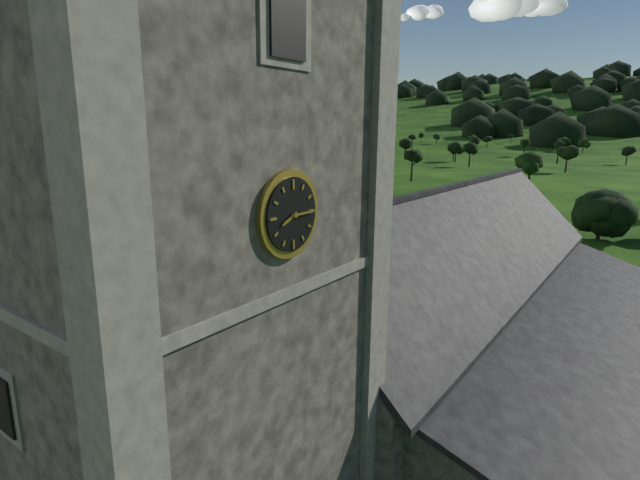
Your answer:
h=8 m=15
